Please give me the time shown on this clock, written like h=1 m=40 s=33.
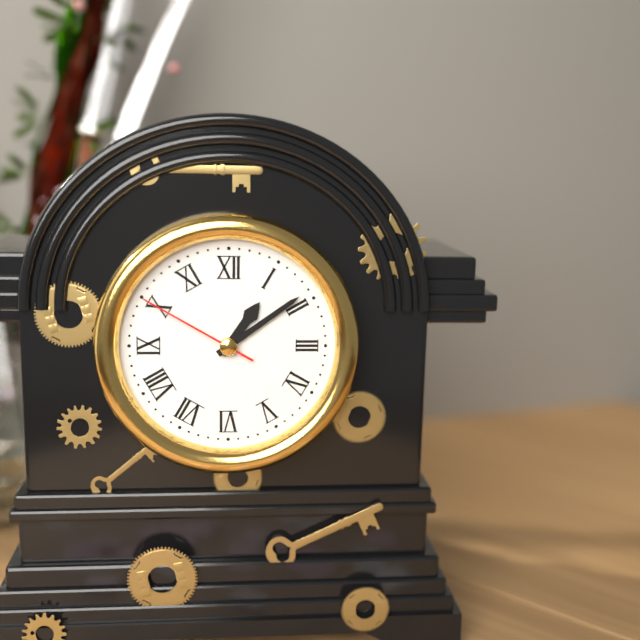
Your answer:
h=1 m=9 s=50
